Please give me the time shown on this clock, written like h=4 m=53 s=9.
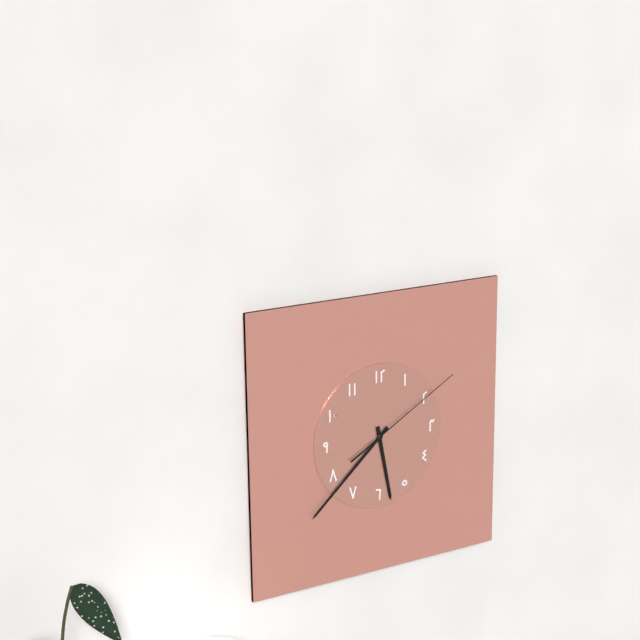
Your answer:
h=5 m=38 s=10
